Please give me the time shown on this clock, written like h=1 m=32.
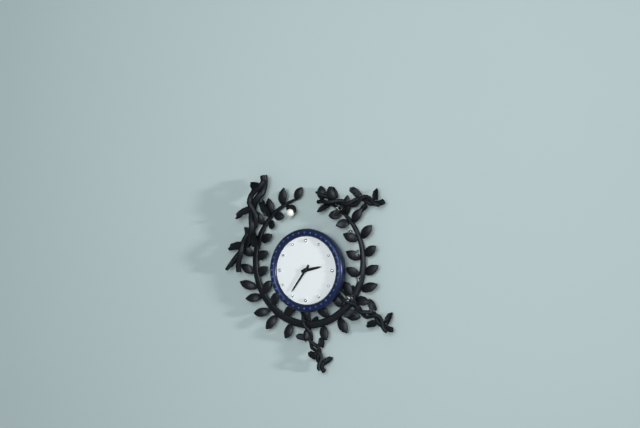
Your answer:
h=2 m=36
